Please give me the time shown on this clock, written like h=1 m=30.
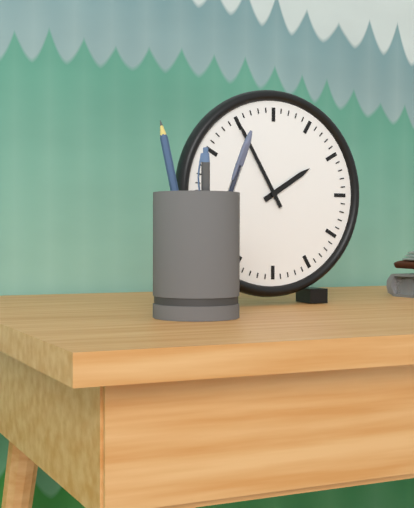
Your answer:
h=1 m=55
